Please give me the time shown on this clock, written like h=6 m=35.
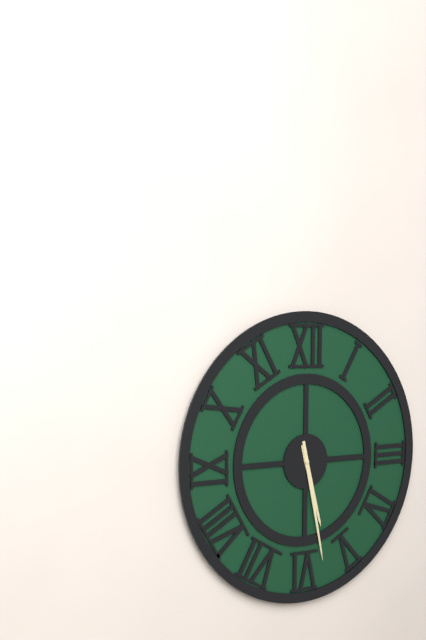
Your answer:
h=5 m=28
